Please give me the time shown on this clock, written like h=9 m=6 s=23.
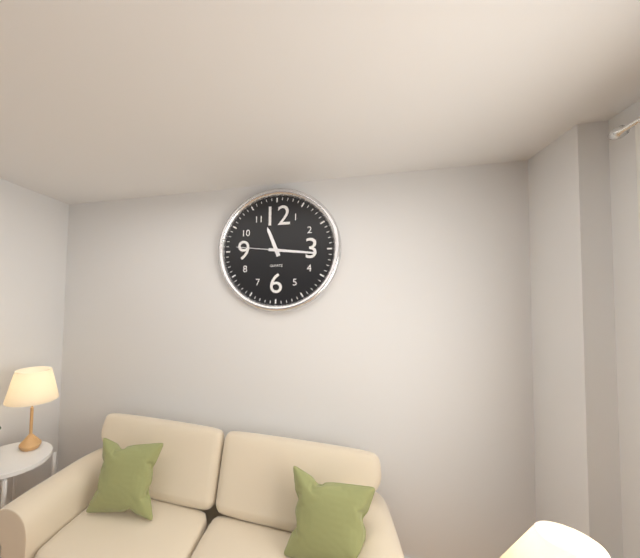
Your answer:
h=11 m=16 s=46
